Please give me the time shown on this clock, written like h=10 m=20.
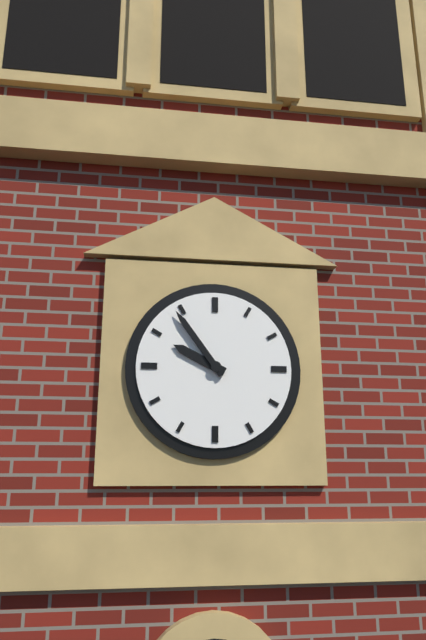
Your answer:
h=9 m=54
